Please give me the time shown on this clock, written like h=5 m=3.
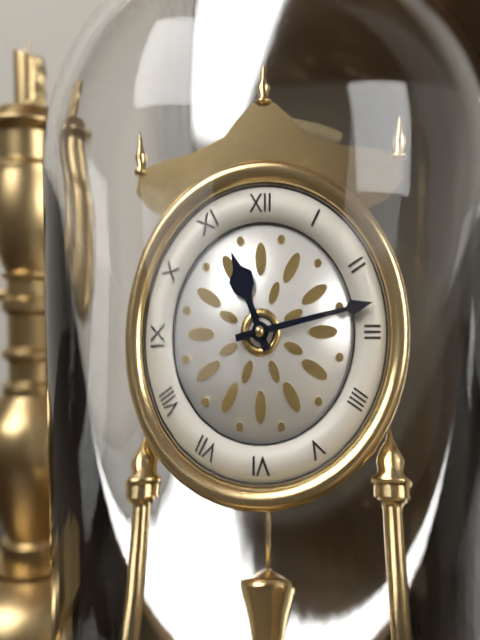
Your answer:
h=11 m=13
